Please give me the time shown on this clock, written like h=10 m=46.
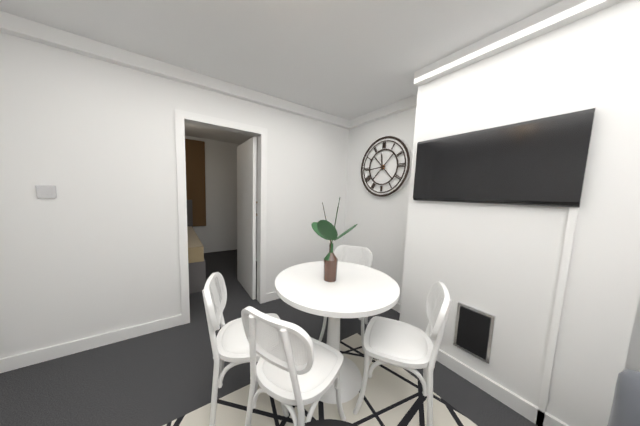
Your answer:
h=11 m=44
